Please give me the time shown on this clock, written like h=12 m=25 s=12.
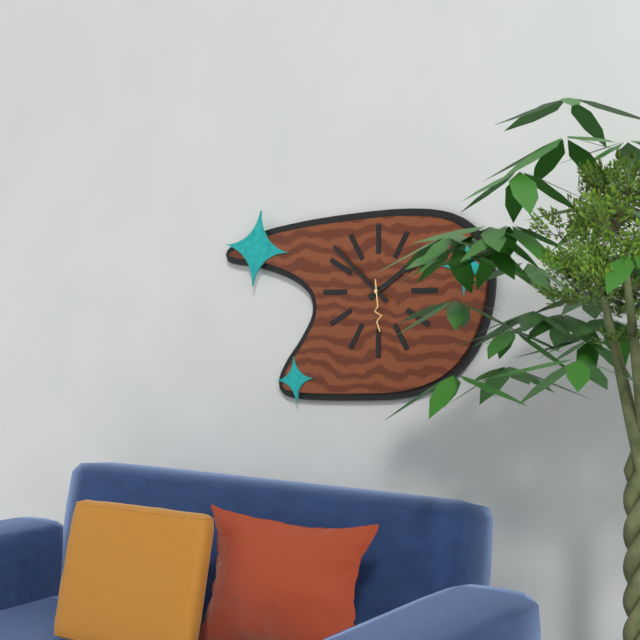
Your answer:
h=1 m=52 s=29
